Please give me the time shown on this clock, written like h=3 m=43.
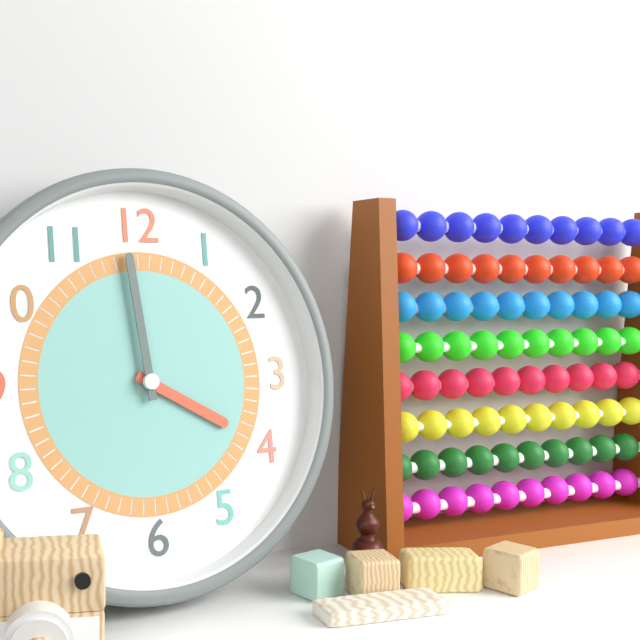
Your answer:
h=3 m=59
